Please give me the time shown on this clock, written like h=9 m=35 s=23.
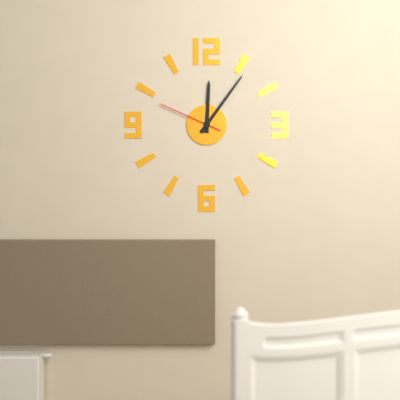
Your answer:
h=12 m=6 s=49
